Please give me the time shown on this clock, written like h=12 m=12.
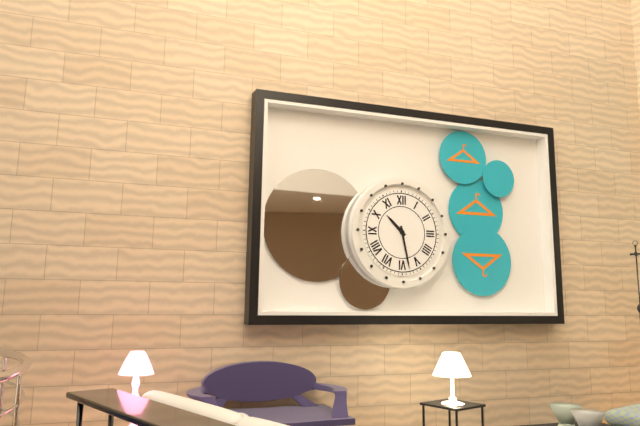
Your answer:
h=10 m=28
